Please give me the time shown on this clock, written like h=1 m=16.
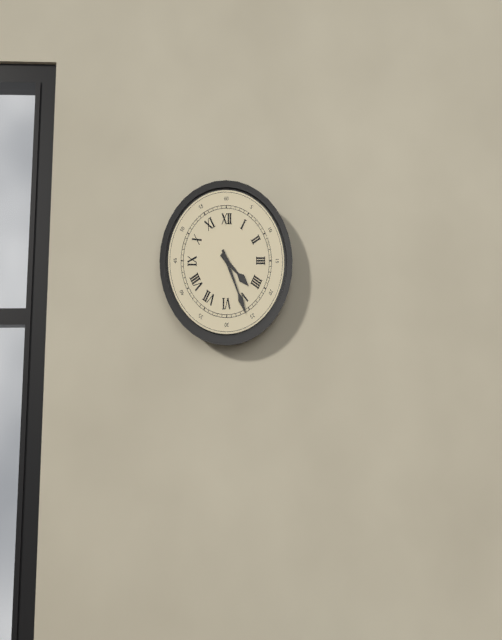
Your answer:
h=4 m=26
